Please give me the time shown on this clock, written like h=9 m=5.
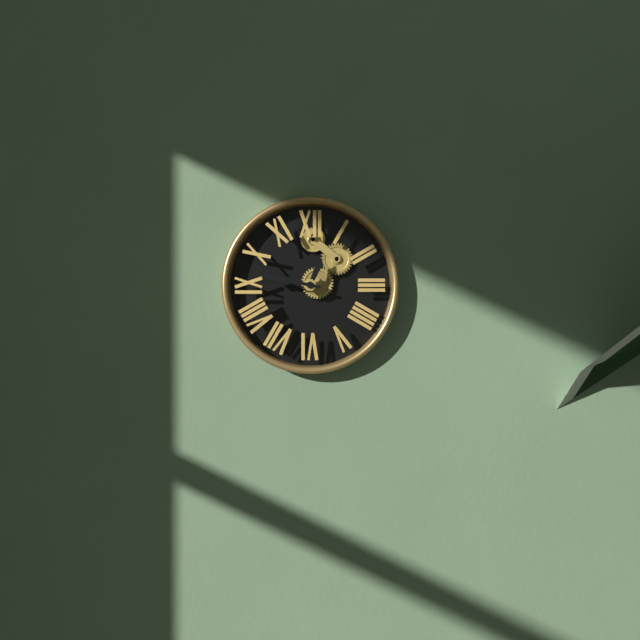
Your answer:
h=12 m=47
